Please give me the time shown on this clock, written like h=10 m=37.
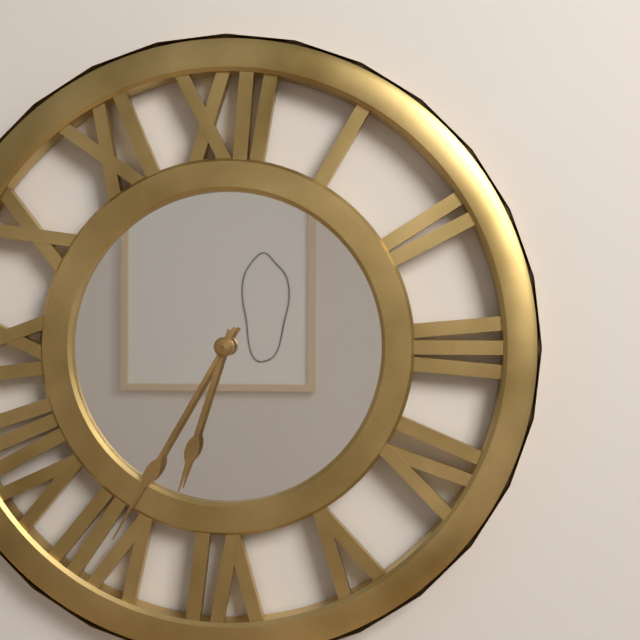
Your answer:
h=6 m=35
